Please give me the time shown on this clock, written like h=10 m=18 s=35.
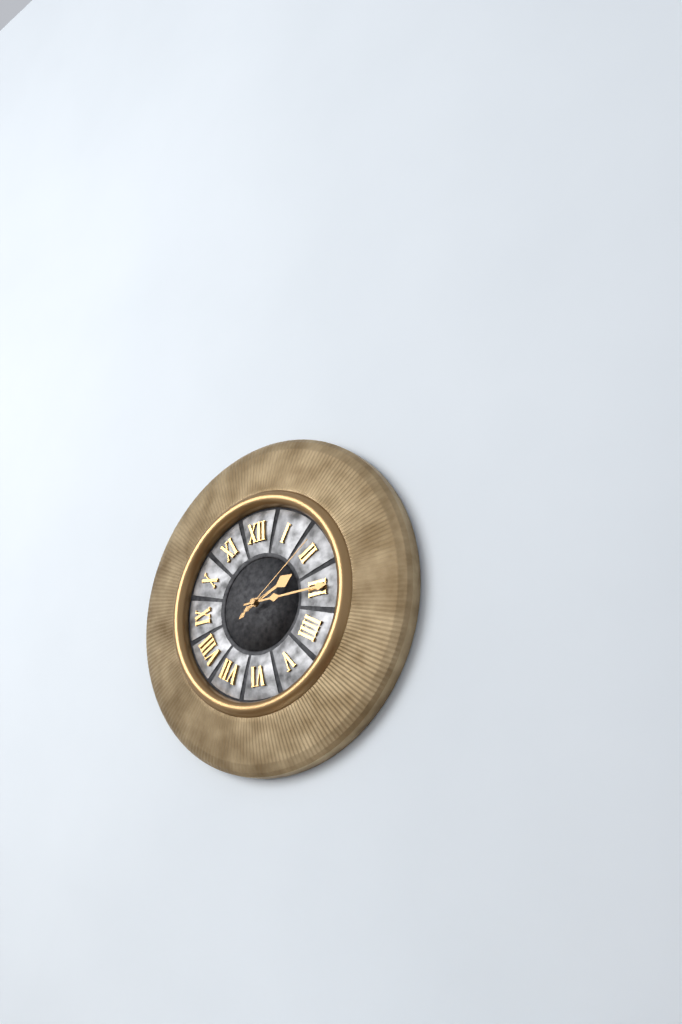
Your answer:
h=2 m=15 s=9
